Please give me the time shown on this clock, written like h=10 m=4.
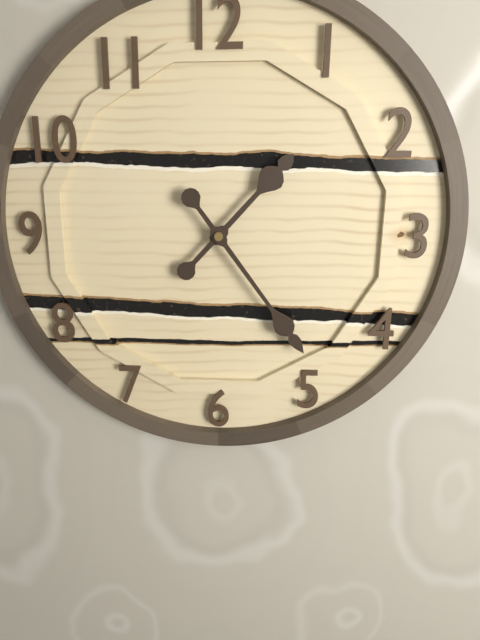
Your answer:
h=1 m=24
